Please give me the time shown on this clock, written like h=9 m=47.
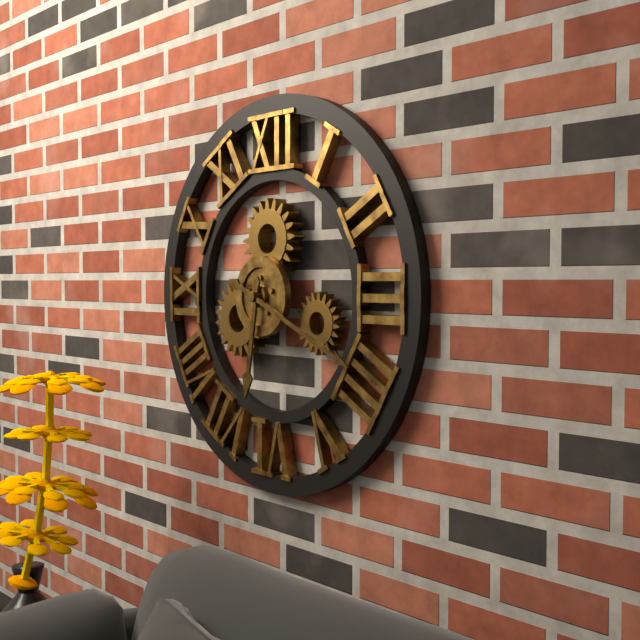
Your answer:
h=6 m=19
